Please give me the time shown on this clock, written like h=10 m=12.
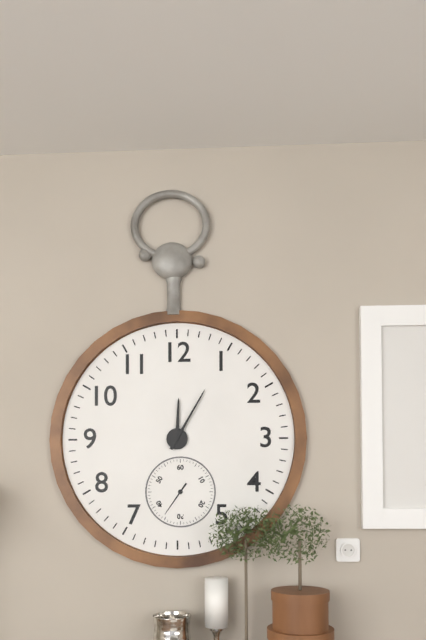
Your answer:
h=12 m=5
